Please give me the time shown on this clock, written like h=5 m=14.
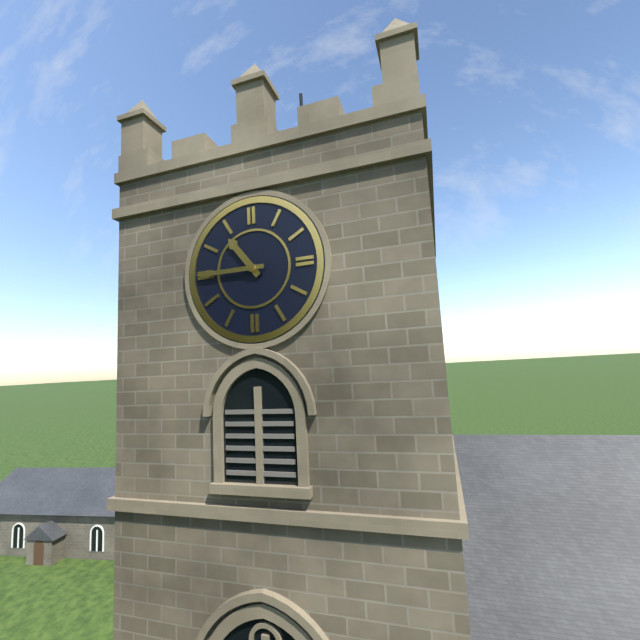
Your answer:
h=10 m=45
